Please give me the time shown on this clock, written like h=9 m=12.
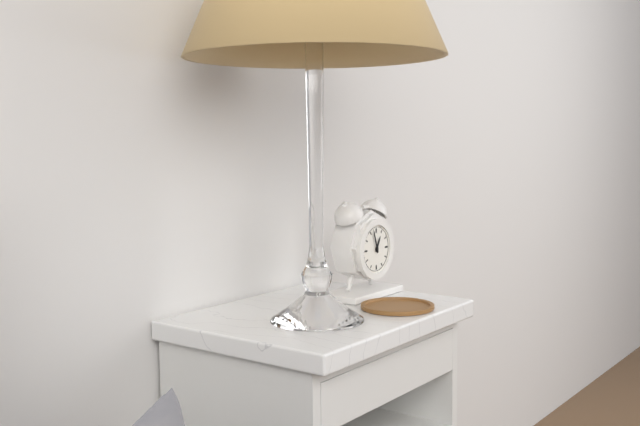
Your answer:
h=12 m=57
